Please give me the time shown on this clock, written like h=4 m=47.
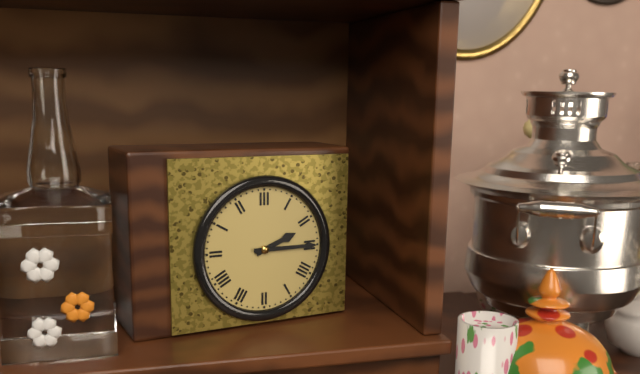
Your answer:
h=2 m=15
